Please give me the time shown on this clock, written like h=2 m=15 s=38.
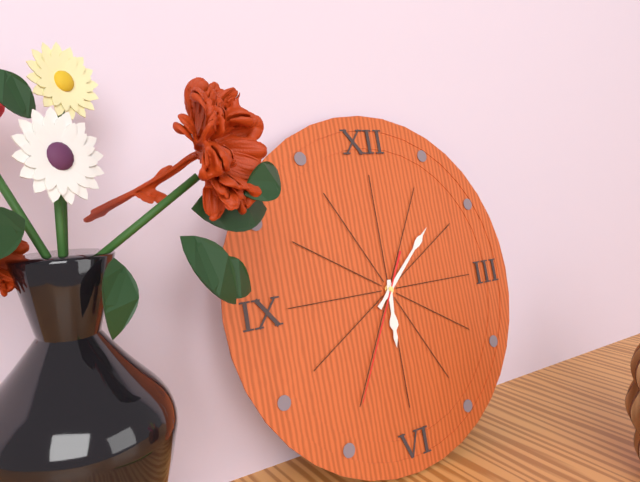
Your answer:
h=6 m=8 s=35
